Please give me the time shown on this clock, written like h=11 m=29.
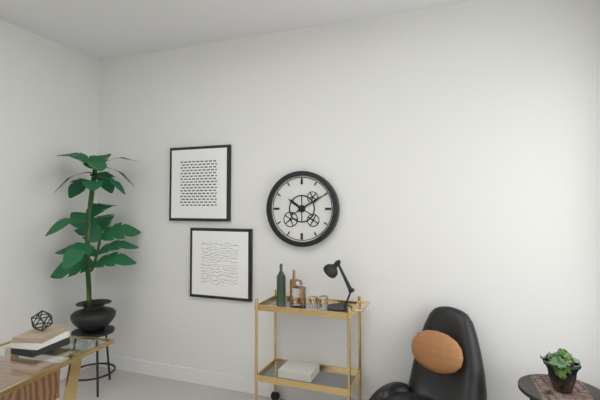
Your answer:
h=10 m=10
